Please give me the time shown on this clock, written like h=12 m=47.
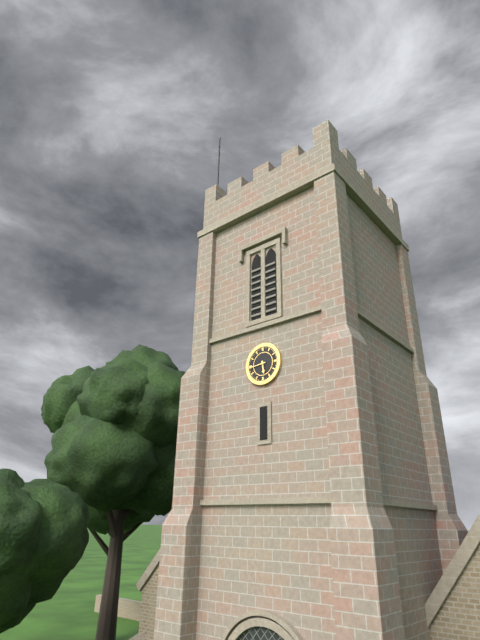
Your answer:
h=5 m=44
